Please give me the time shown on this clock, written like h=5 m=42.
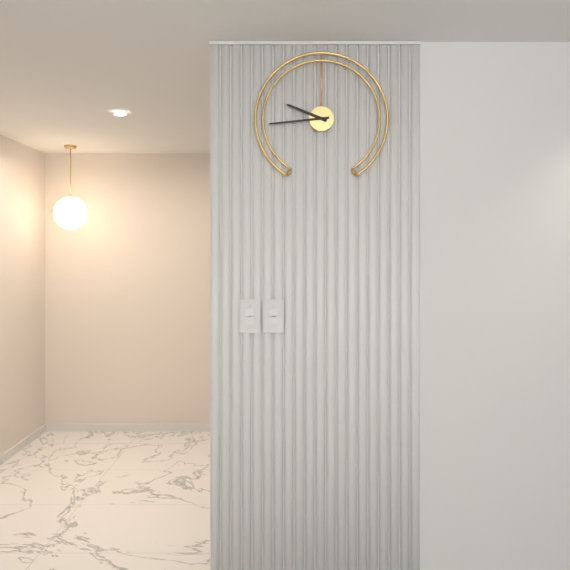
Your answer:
h=9 m=44
